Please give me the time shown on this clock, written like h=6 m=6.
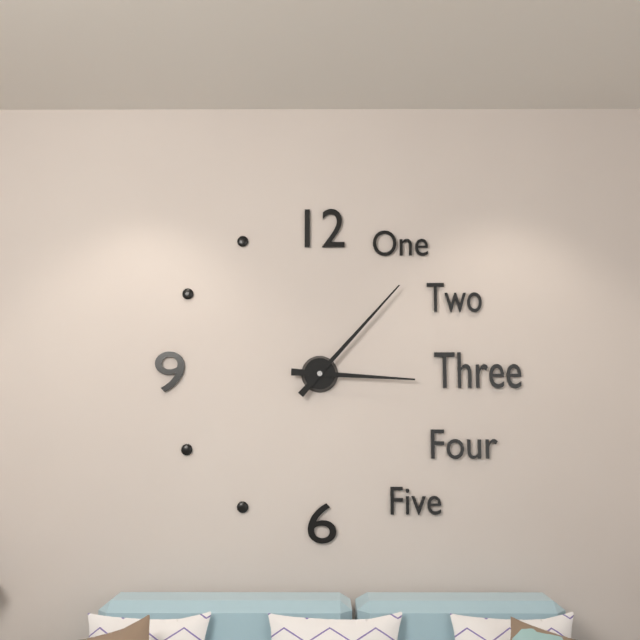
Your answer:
h=3 m=7
